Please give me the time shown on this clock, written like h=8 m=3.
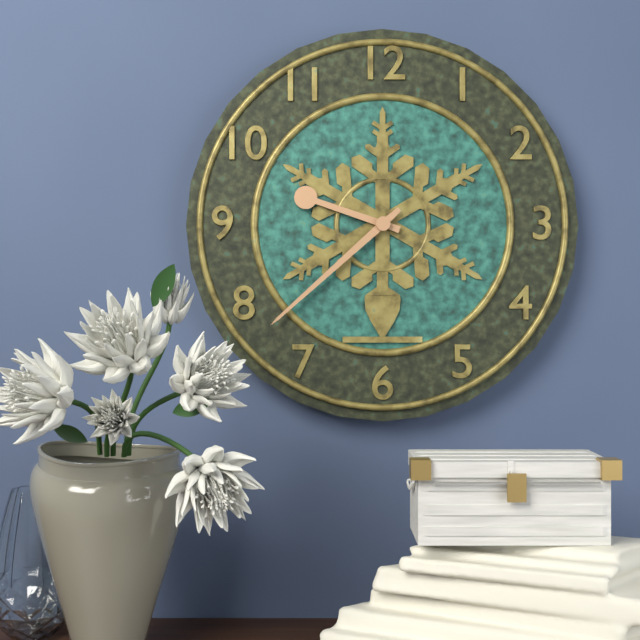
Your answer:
h=9 m=38
